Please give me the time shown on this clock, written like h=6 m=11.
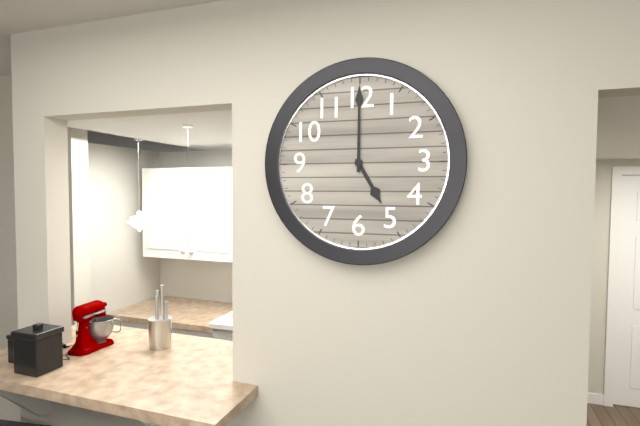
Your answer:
h=5 m=0
